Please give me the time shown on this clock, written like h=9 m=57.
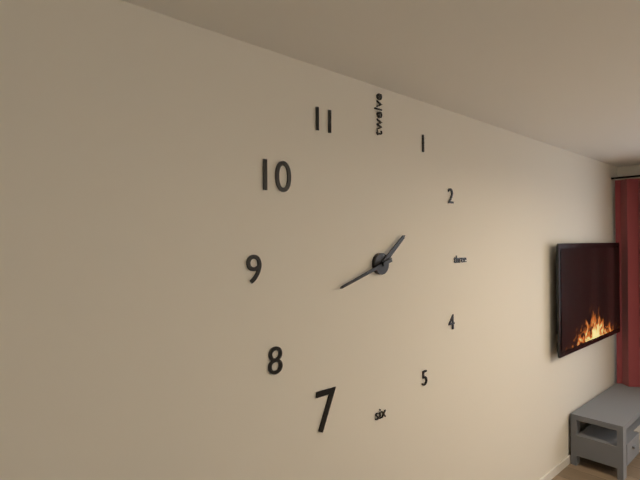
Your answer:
h=1 m=42
